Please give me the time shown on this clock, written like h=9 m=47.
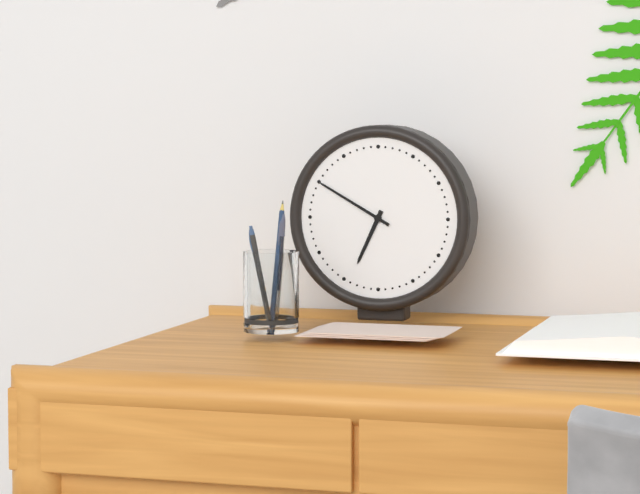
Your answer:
h=6 m=50
